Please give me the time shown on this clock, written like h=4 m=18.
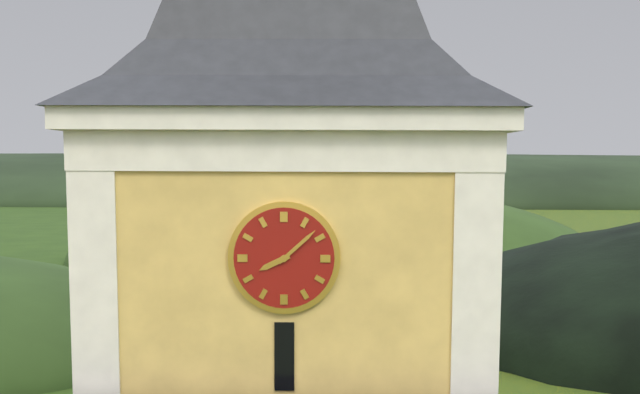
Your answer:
h=8 m=8
